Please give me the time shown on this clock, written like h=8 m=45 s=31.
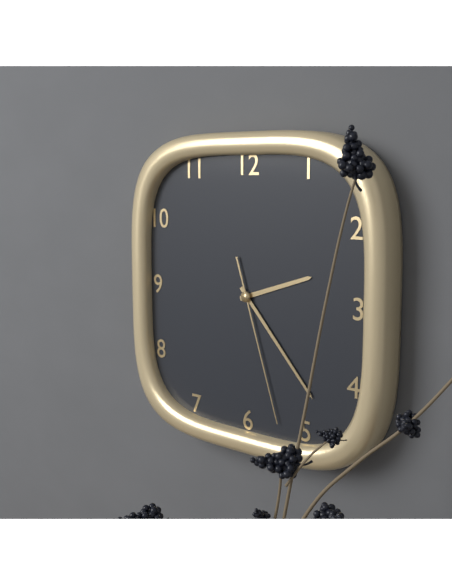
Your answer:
h=2 m=23 s=27
